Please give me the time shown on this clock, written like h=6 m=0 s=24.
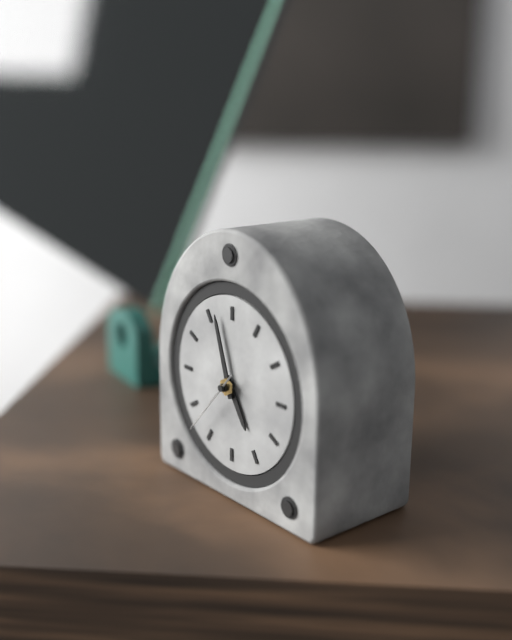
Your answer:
h=4 m=57 s=37
